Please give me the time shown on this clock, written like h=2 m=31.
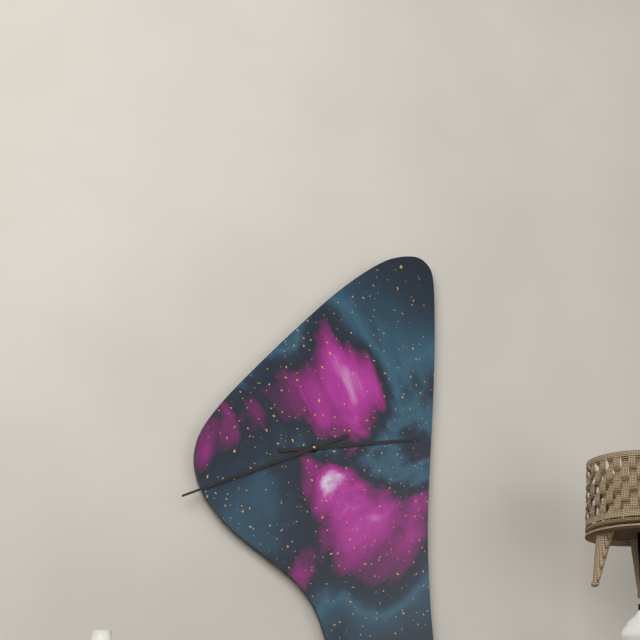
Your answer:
h=2 m=41
